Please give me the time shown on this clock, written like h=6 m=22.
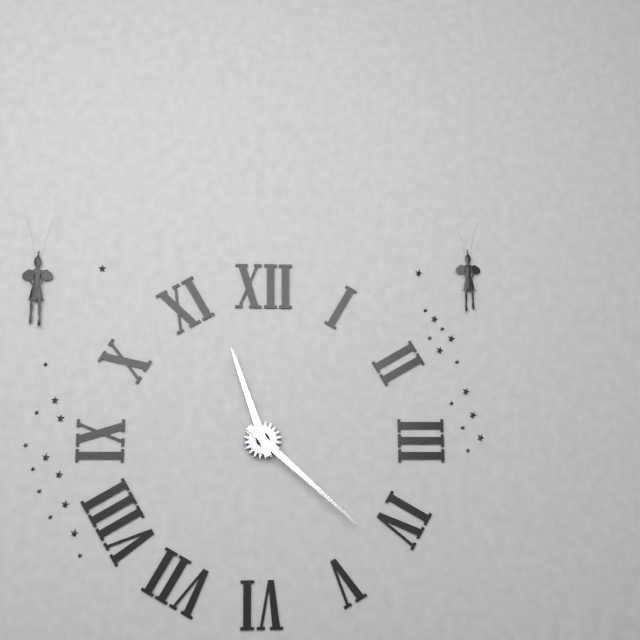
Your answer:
h=11 m=22
